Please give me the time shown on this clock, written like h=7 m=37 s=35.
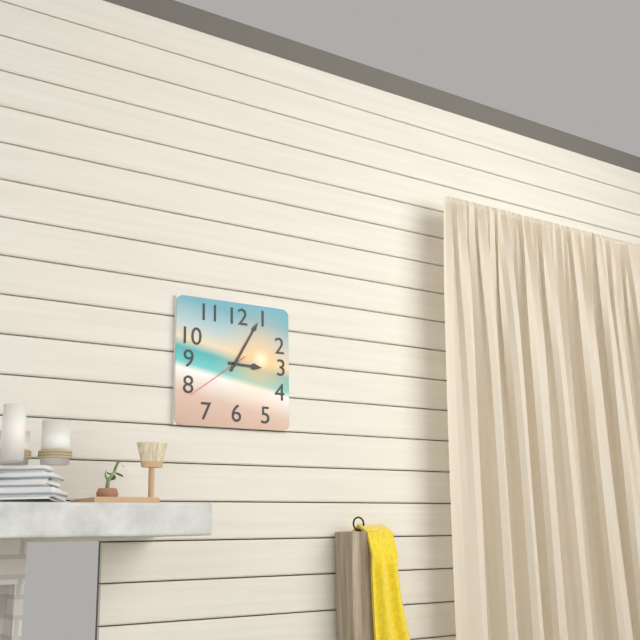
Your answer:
h=3 m=5 s=39
